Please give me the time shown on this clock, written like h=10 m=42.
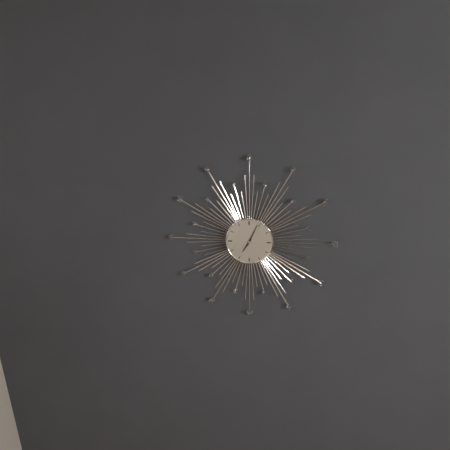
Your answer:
h=7 m=4
